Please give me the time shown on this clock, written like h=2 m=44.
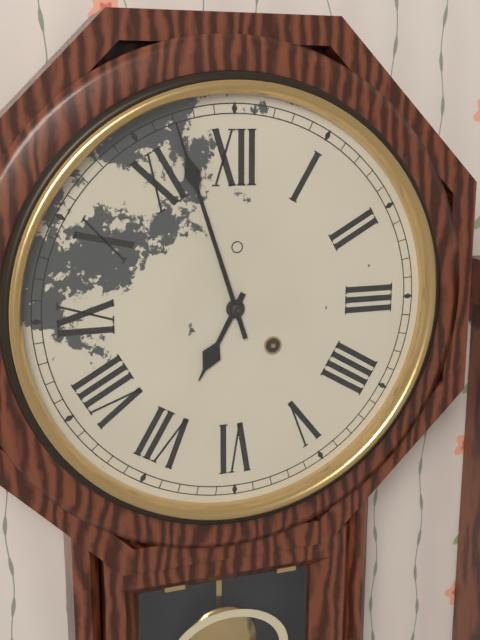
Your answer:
h=6 m=57
